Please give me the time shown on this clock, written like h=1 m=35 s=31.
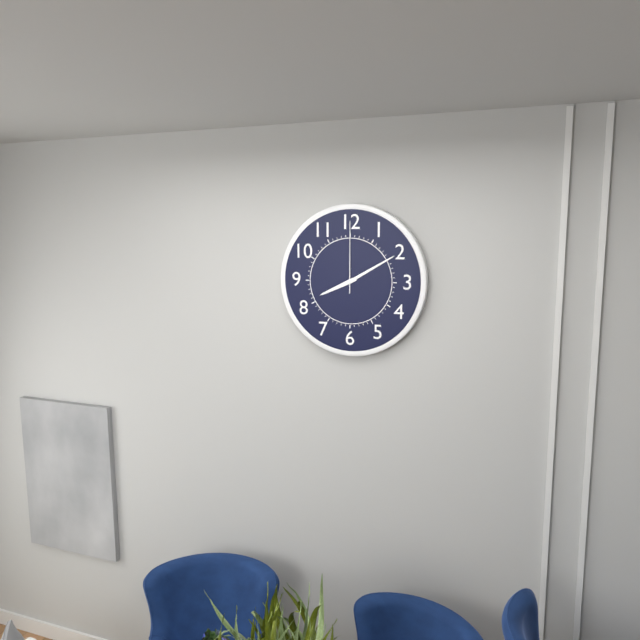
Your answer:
h=8 m=10 s=0
